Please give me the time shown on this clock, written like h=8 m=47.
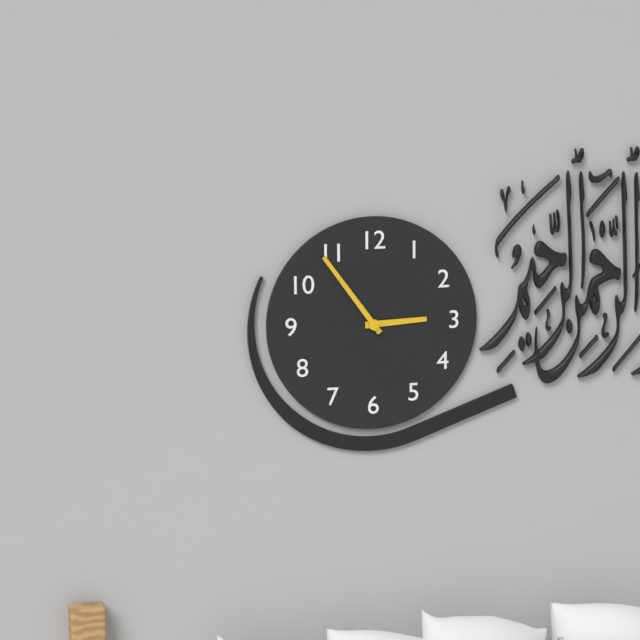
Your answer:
h=2 m=54
